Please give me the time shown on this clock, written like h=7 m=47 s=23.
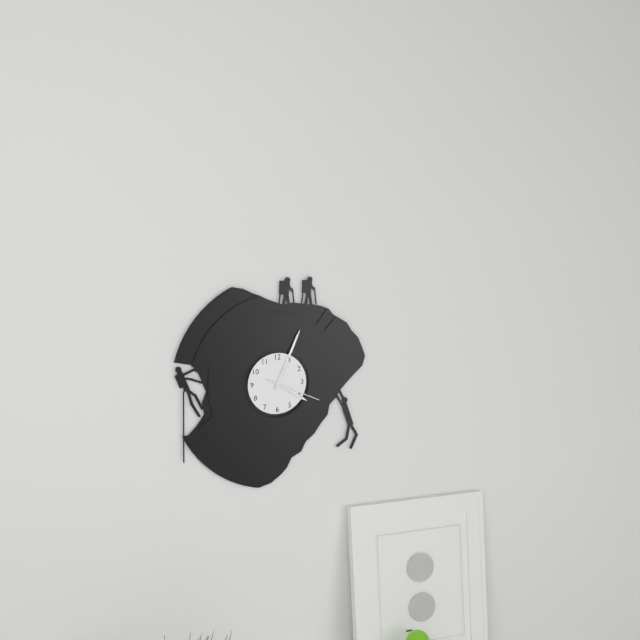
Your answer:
h=4 m=4 s=19
